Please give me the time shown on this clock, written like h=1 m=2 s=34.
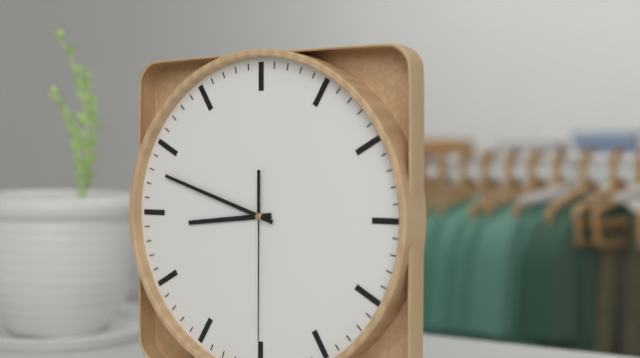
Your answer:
h=8 m=48 s=30
